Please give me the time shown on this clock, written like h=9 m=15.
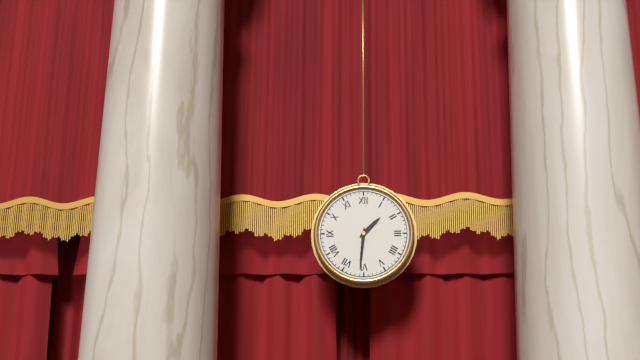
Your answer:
h=1 m=31
